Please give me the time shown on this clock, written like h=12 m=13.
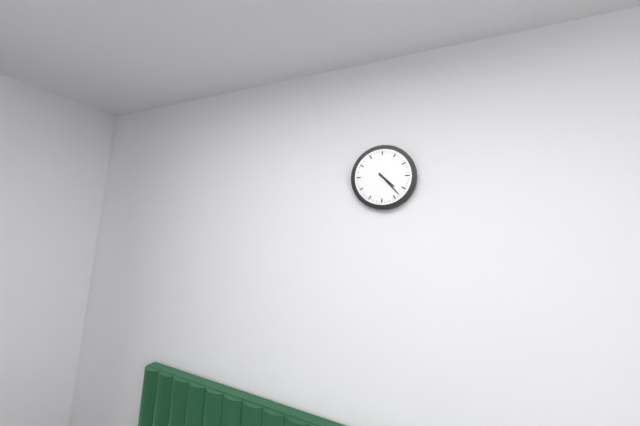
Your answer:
h=4 m=23
